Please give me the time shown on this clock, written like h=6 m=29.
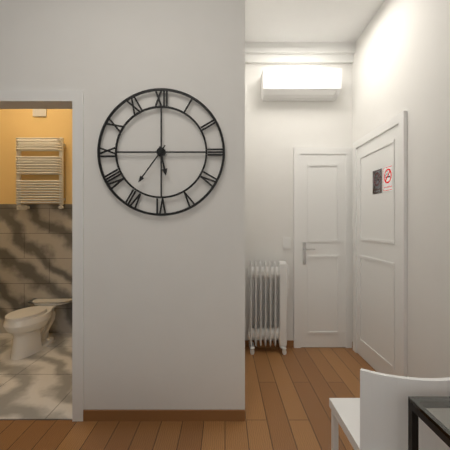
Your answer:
h=5 m=36
